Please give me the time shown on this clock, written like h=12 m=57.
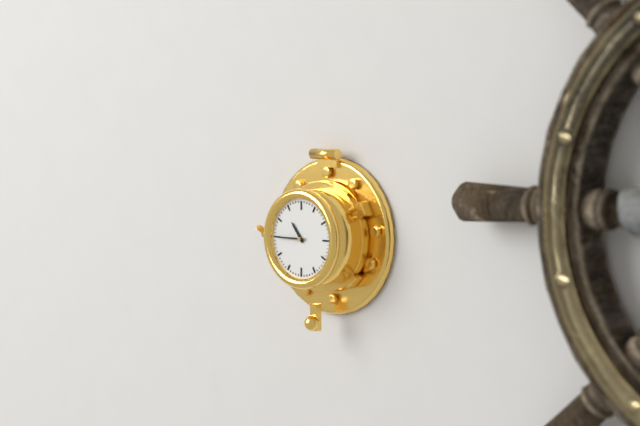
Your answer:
h=10 m=45
